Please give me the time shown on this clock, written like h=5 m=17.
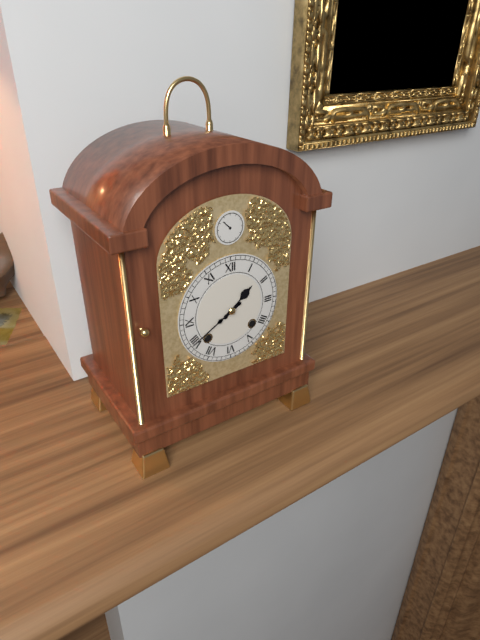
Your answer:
h=1 m=40
